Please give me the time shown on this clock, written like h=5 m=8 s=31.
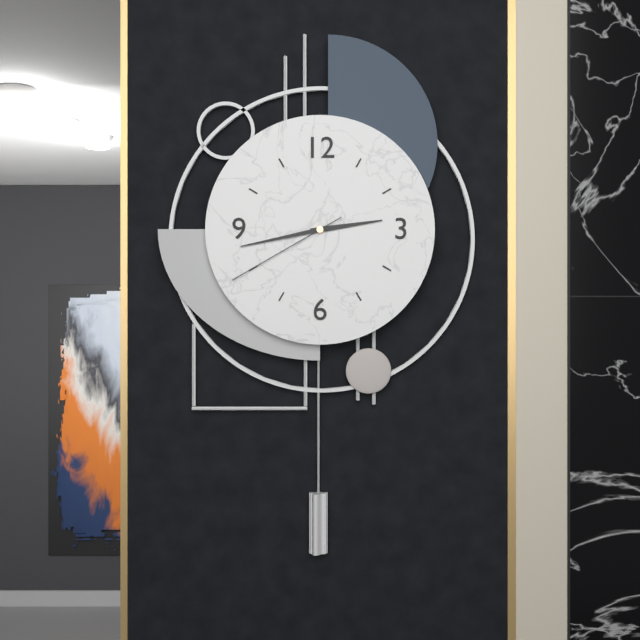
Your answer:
h=2 m=43 s=40
